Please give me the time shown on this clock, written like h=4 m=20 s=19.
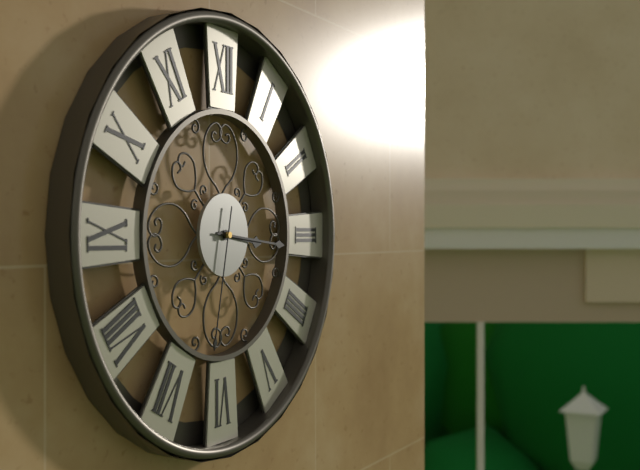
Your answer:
h=3 m=16 s=32
